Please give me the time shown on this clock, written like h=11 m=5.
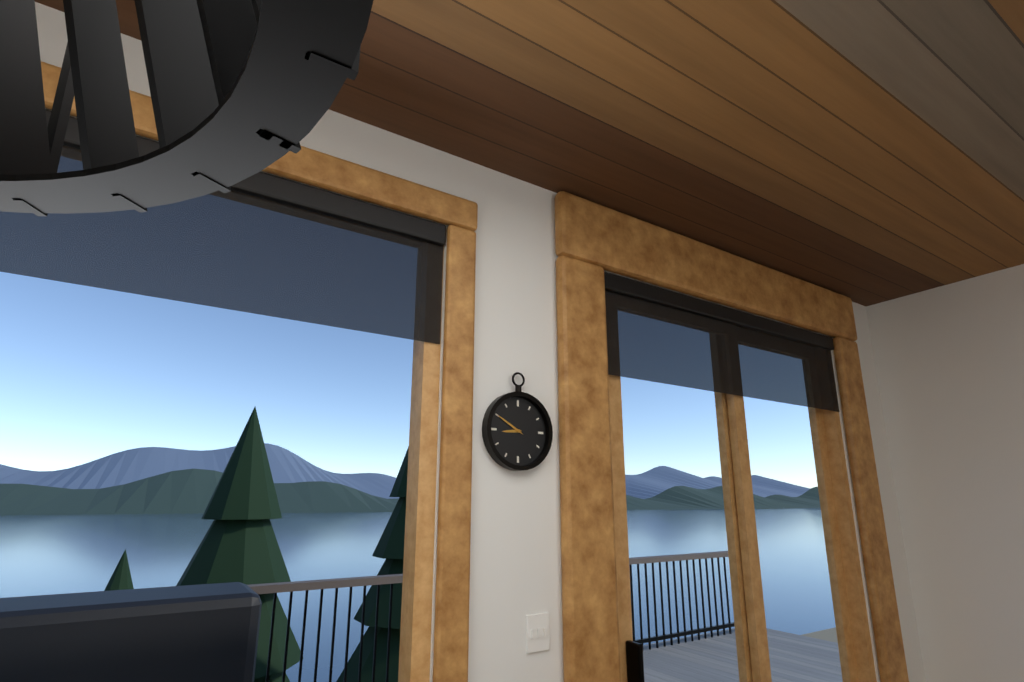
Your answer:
h=8 m=50
